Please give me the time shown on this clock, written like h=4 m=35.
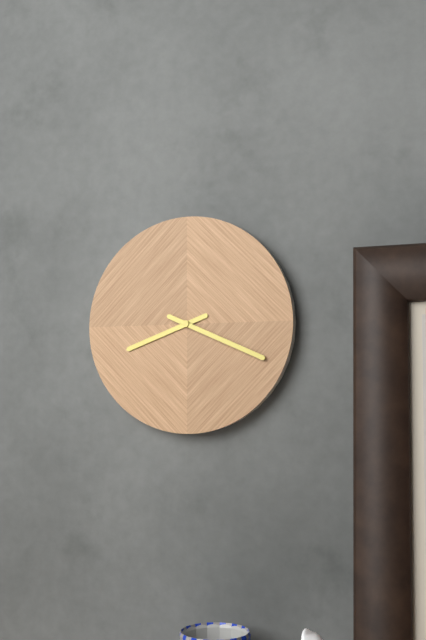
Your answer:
h=8 m=19
